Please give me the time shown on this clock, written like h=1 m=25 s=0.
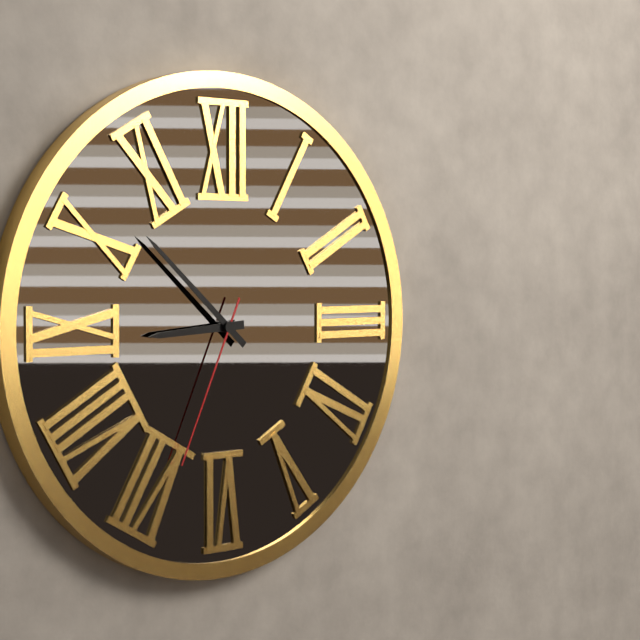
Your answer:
h=8 m=52 s=34
